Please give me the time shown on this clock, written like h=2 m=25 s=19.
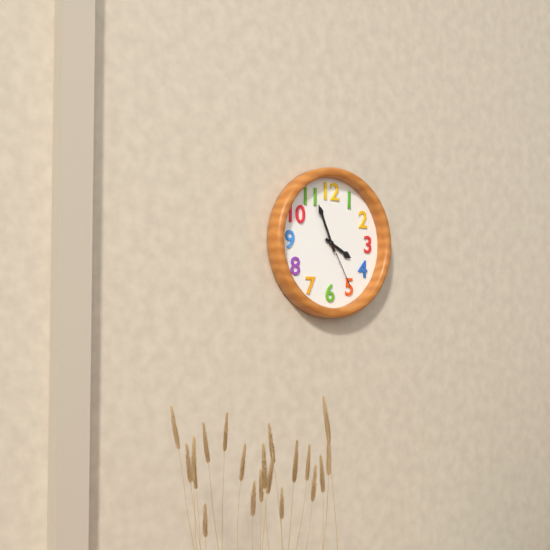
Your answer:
h=3 m=56 s=25
